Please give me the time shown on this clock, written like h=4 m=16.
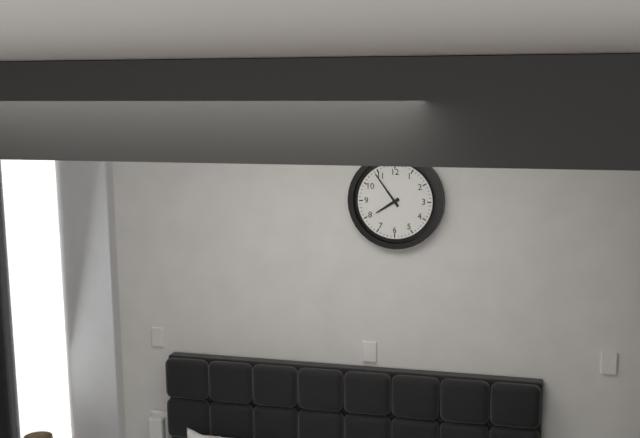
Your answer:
h=7 m=54
